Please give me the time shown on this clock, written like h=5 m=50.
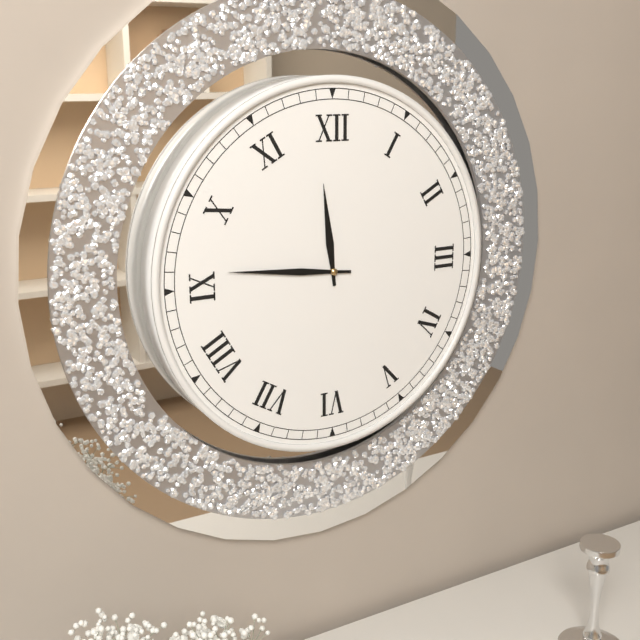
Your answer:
h=11 m=46
